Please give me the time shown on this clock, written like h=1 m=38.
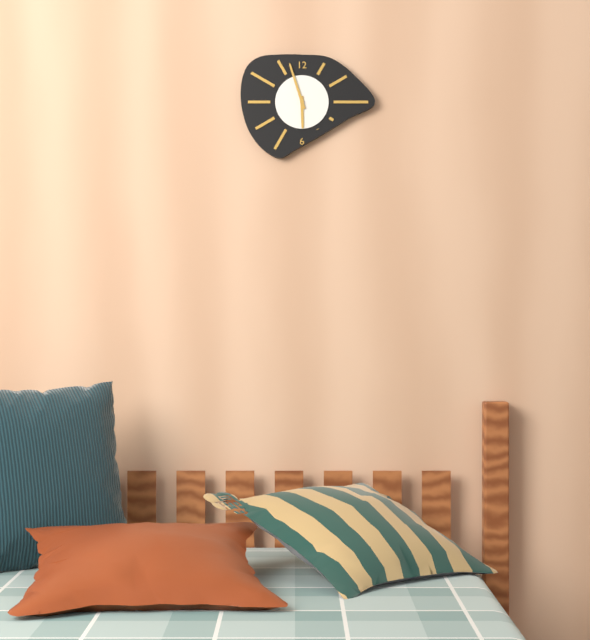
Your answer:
h=5 m=57
